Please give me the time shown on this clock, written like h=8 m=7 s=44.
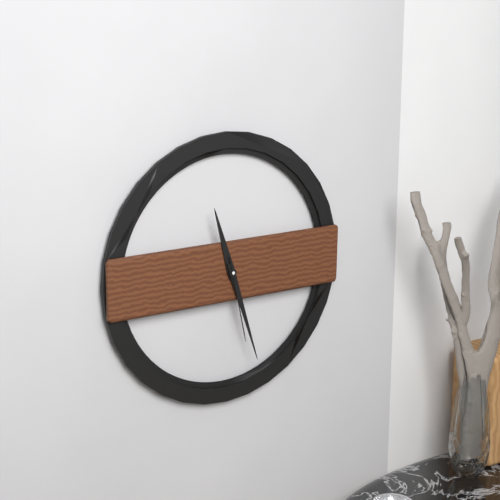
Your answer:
h=11 m=27 s=28
